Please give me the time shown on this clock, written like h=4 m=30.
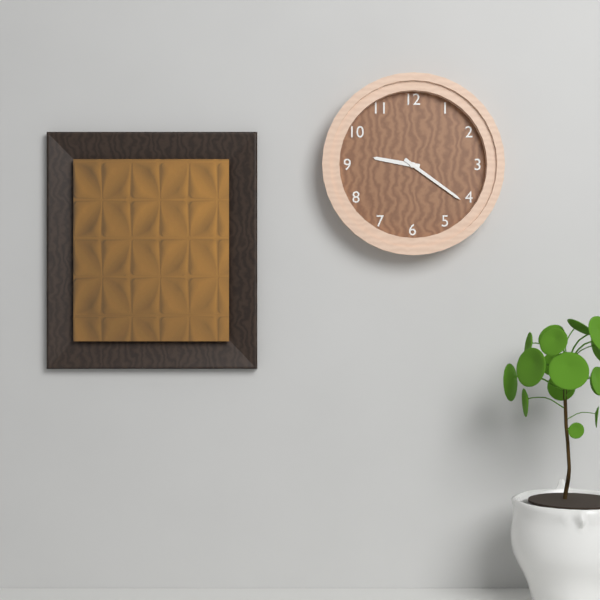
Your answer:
h=9 m=21
